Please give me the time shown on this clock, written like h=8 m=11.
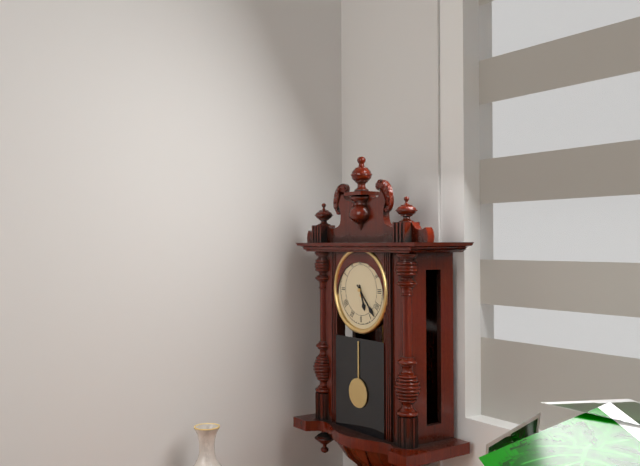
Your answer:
h=5 m=23
